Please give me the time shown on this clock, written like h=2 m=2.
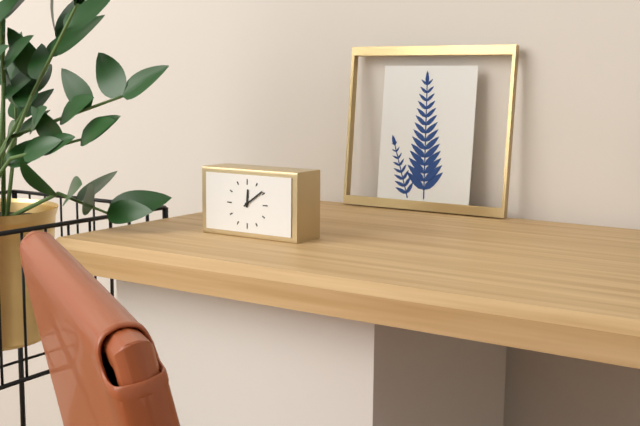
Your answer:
h=12 m=9
